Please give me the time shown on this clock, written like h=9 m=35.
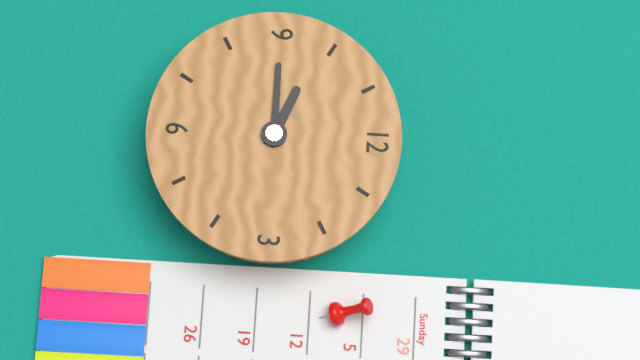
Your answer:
h=9 m=45
